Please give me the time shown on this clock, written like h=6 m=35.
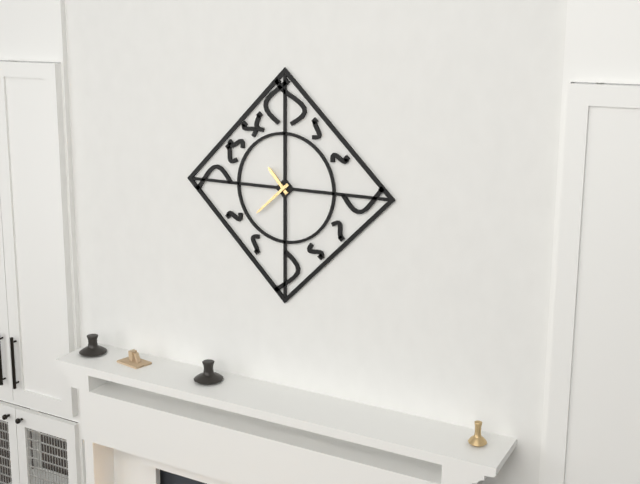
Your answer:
h=10 m=38
